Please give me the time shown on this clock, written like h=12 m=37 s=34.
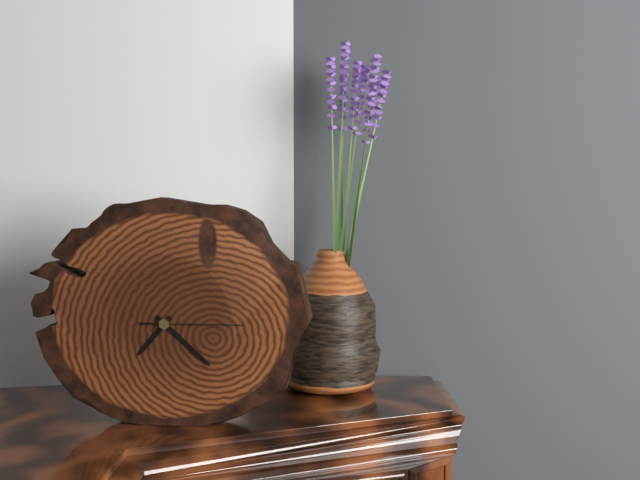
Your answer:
h=7 m=22 s=15
